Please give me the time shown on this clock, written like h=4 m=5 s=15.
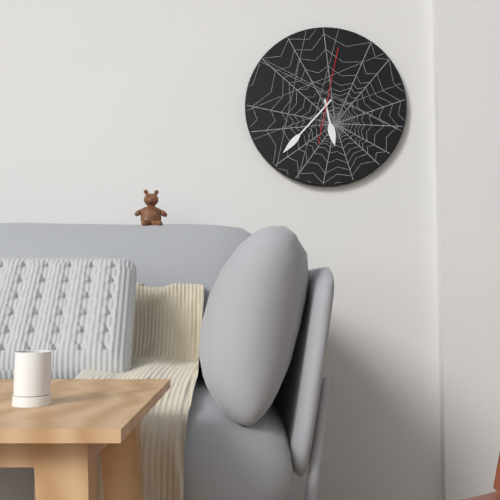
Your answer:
h=5 m=37 s=2
